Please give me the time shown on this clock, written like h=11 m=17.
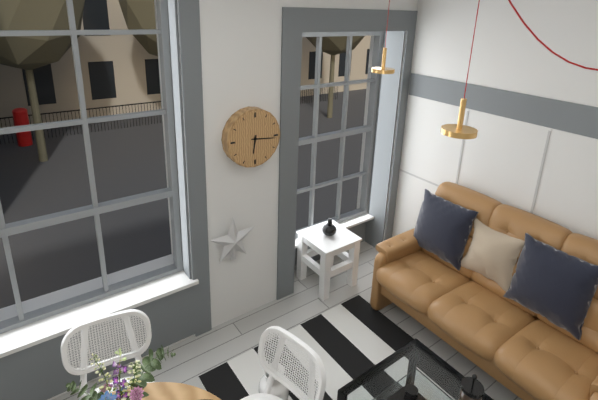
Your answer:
h=6 m=16
